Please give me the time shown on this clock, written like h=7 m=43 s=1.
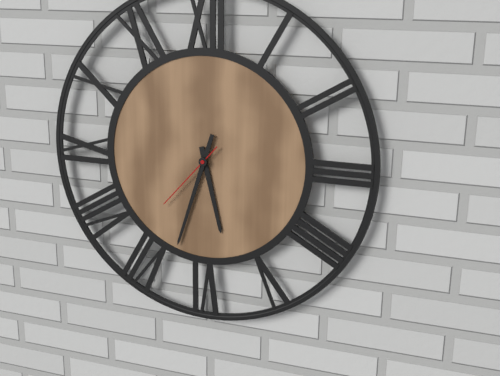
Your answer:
h=5 m=33 s=37
